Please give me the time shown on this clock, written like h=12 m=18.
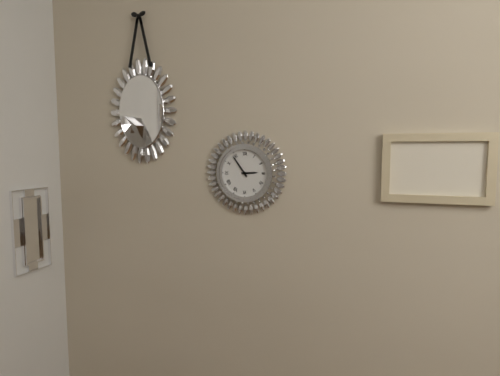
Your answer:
h=2 m=54
